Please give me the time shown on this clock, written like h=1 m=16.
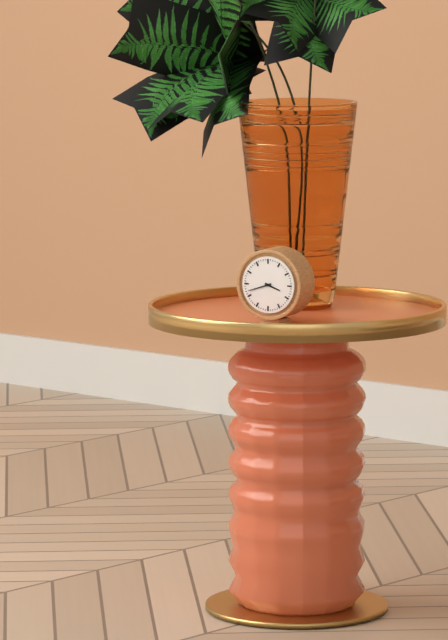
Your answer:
h=3 m=42
